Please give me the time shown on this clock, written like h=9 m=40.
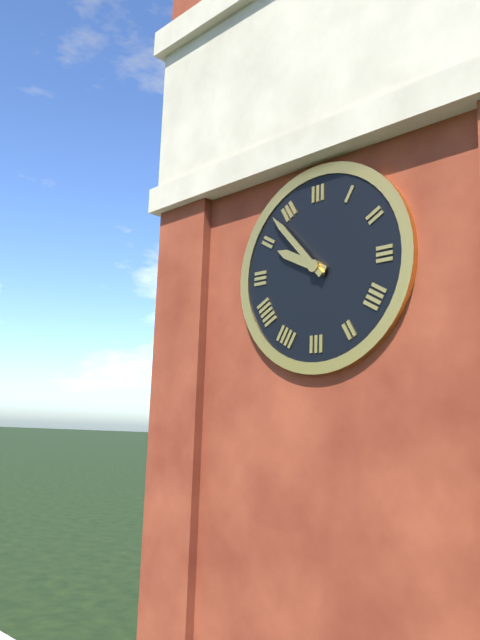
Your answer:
h=9 m=53
